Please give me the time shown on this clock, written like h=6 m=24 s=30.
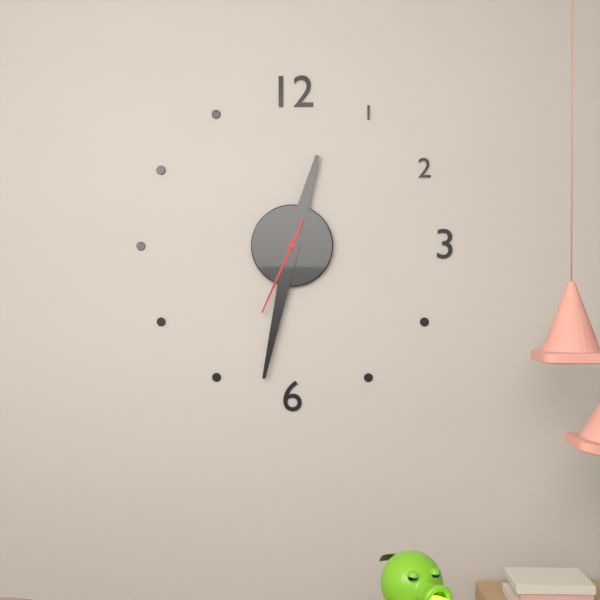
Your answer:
h=12 m=32 s=34
